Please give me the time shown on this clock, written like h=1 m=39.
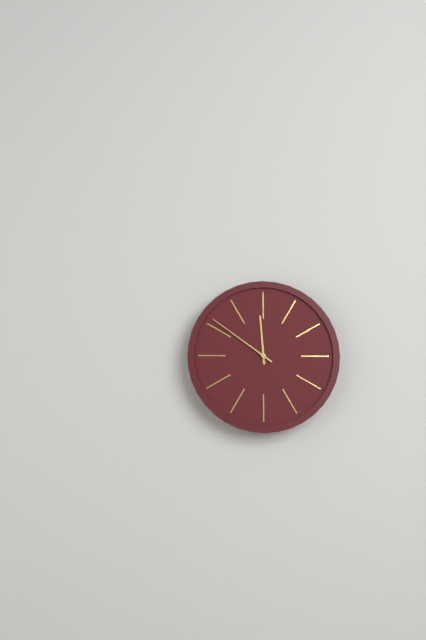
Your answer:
h=11 m=51
